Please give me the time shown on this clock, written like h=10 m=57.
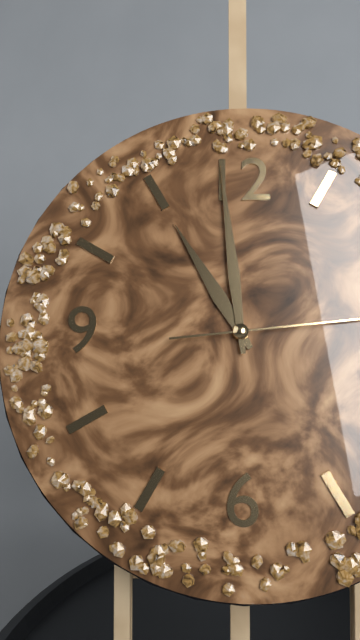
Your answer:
h=10 m=59
